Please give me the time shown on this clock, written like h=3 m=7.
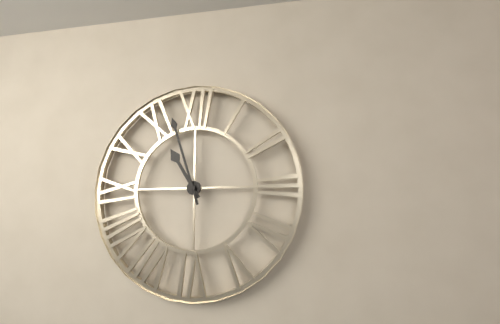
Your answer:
h=10 m=57
